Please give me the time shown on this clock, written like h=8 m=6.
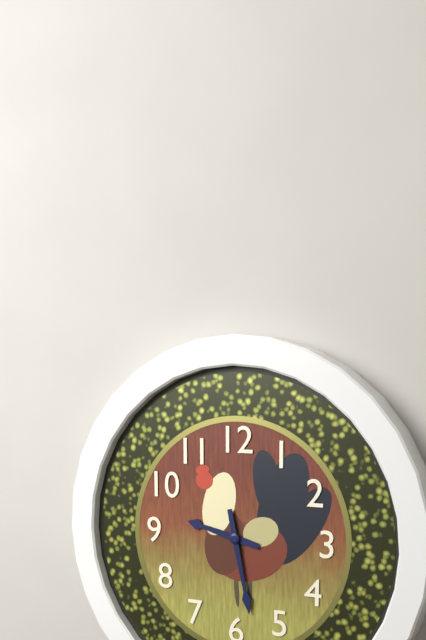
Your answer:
h=9 m=28
